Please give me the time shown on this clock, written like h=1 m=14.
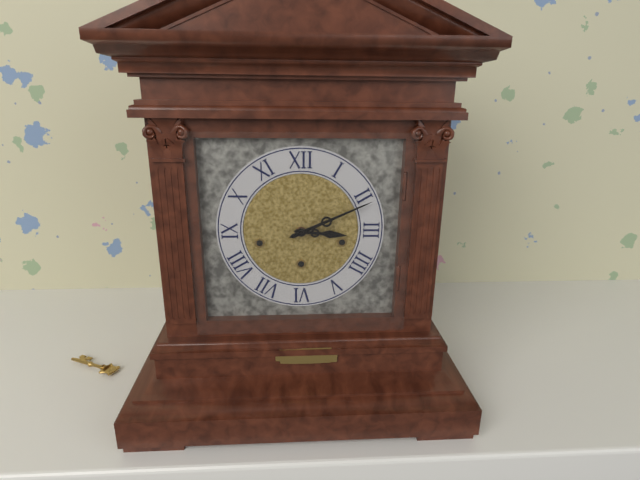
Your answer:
h=3 m=11
